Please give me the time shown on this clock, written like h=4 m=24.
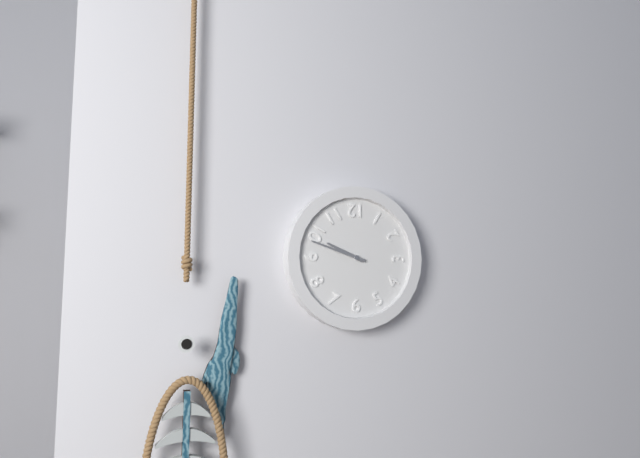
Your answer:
h=9 m=48
